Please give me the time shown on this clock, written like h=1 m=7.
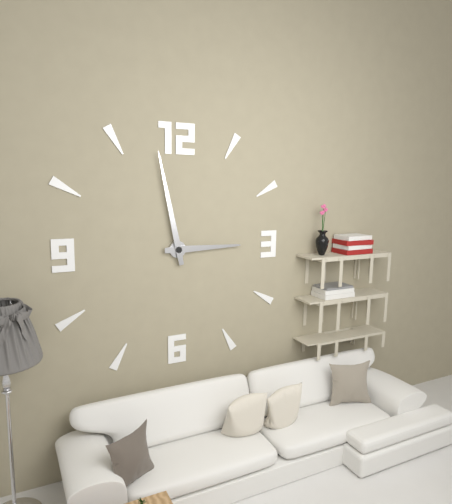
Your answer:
h=2 m=58
